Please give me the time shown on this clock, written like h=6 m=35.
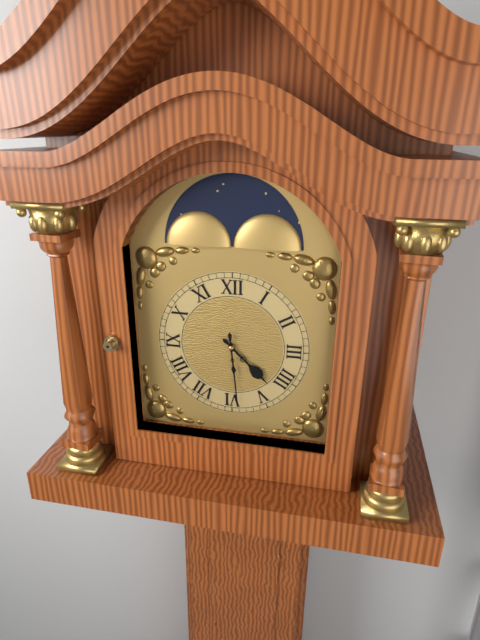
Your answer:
h=4 m=29
